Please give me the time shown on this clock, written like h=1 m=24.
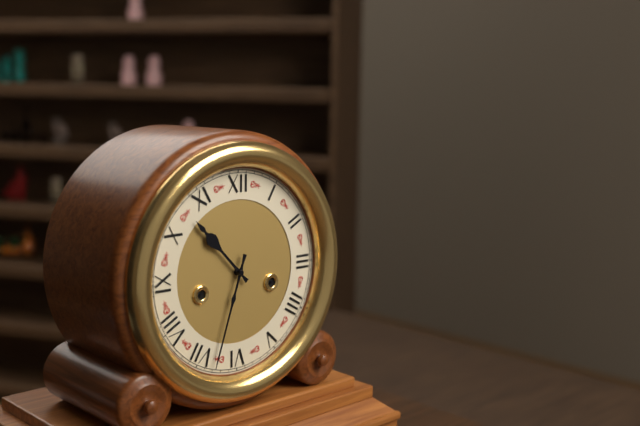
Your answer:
h=10 m=33
